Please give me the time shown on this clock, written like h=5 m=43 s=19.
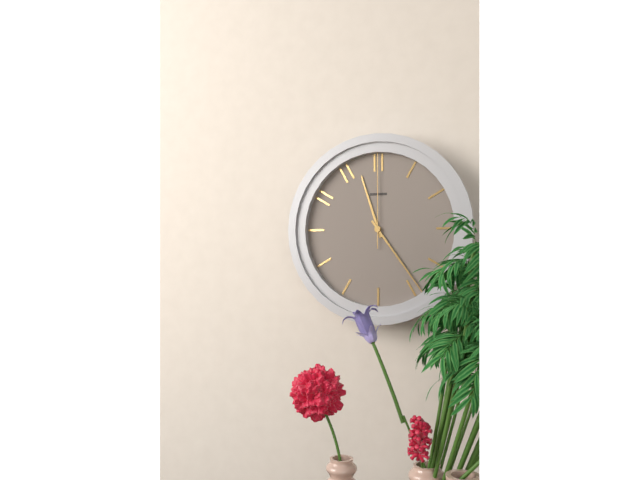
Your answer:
h=11 m=24 s=0
